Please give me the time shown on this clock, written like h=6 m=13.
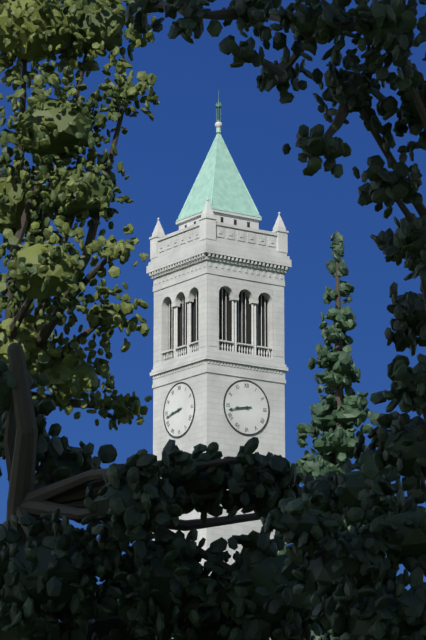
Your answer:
h=8 m=43
